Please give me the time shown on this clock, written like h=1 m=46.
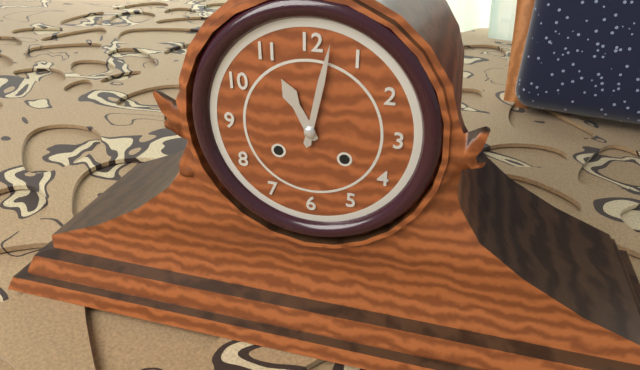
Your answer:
h=11 m=2
